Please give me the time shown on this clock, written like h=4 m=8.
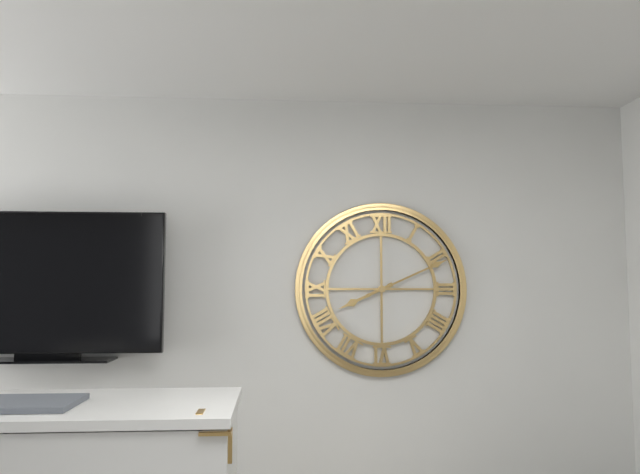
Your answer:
h=8 m=11
